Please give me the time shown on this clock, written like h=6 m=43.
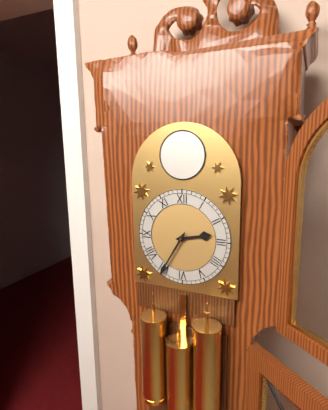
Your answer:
h=2 m=35
